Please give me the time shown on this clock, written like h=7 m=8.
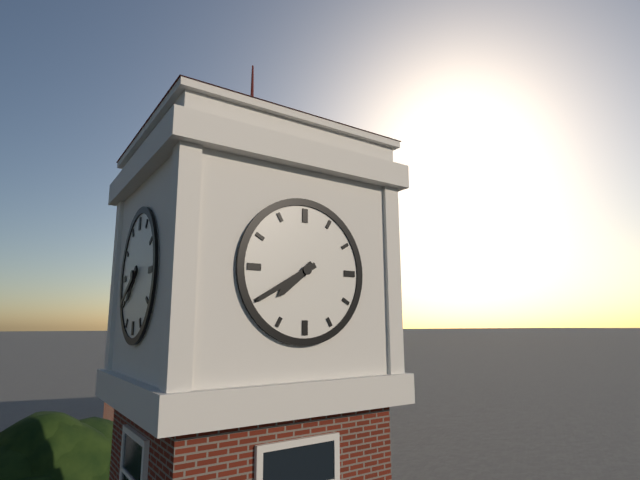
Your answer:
h=7 m=40
